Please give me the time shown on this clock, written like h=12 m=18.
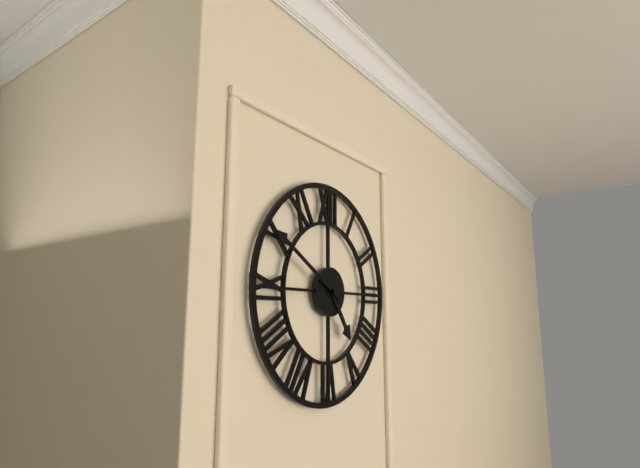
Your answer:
h=4 m=50
